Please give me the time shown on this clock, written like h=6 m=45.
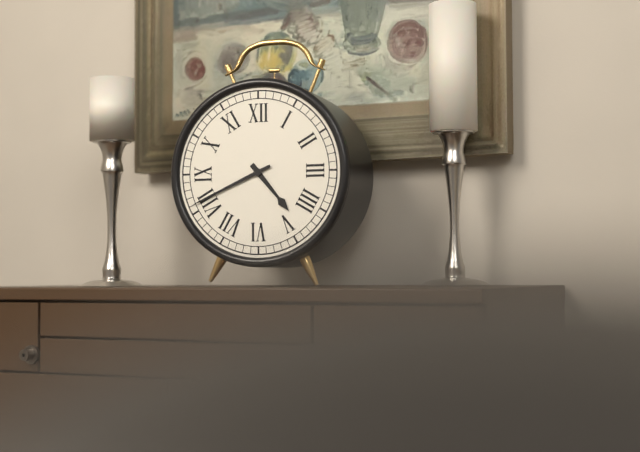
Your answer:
h=4 m=41
